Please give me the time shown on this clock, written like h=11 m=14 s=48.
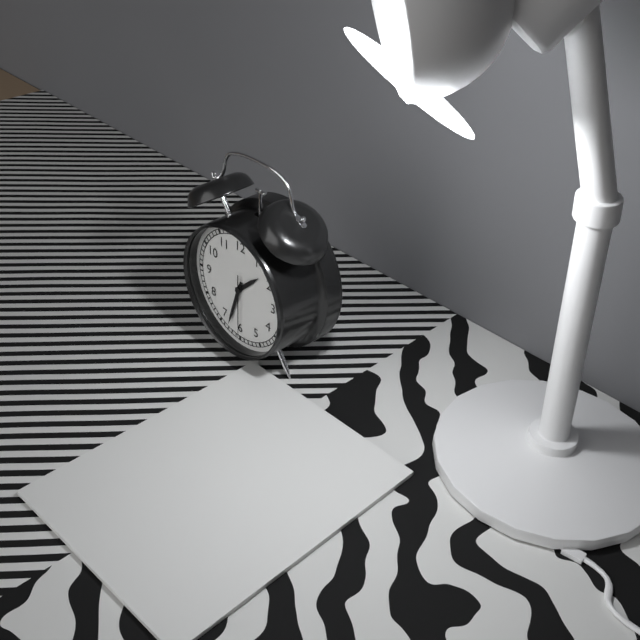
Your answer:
h=1 m=33 s=30
